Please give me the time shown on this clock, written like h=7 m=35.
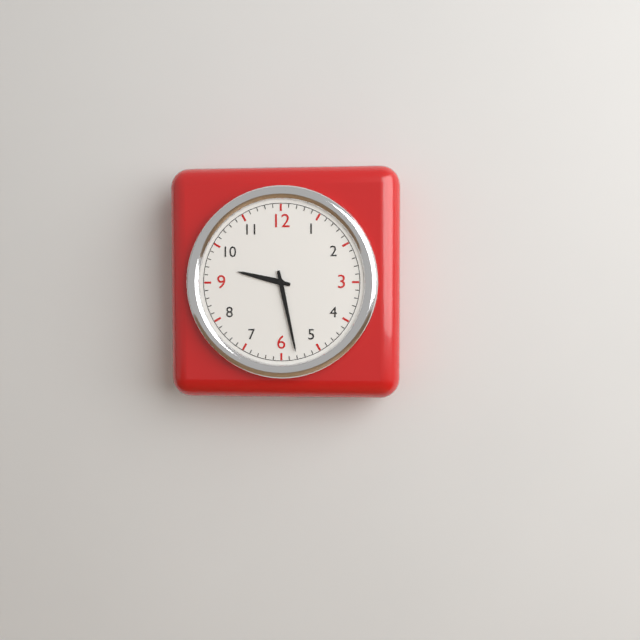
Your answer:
h=9 m=28
